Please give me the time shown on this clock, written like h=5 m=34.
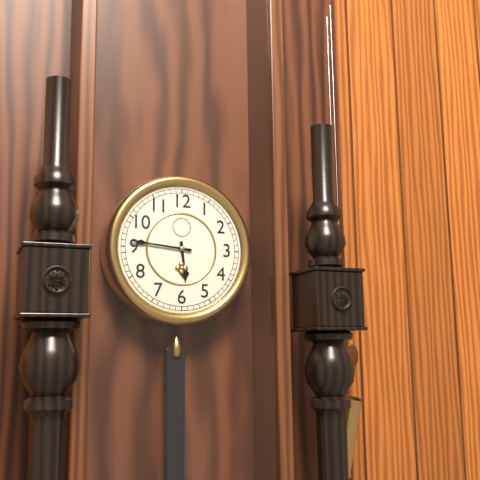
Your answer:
h=5 m=46
